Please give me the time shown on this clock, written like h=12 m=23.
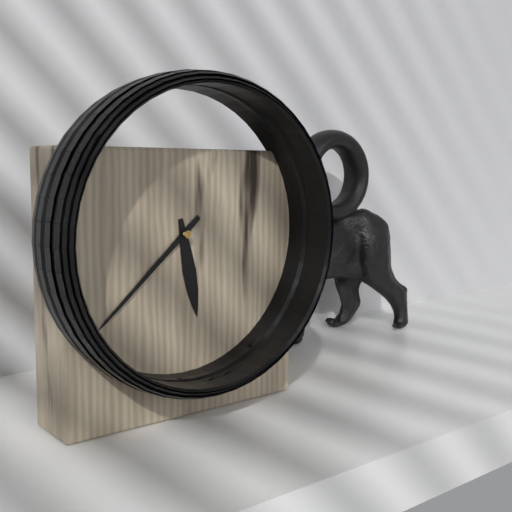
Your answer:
h=5 m=38
